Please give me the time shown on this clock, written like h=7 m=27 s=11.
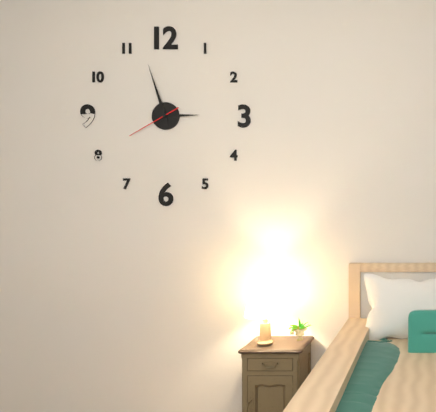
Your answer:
h=2 m=57 s=40
